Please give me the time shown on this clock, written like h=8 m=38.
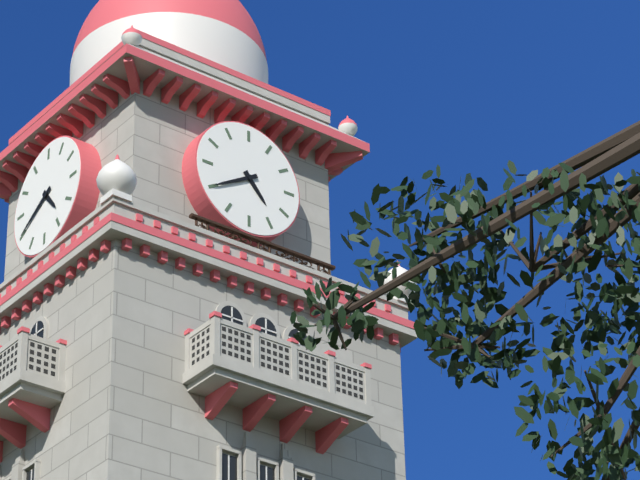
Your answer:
h=4 m=40
